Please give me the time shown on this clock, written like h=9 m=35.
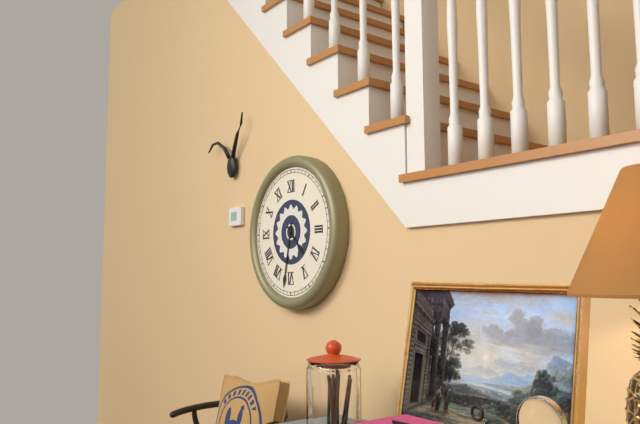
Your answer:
h=4 m=32
